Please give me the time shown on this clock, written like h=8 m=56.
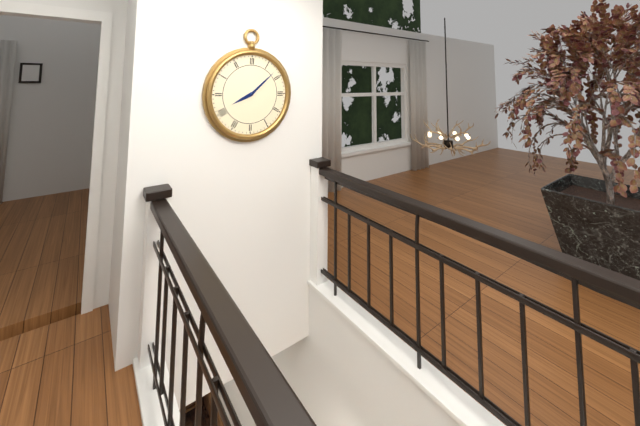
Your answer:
h=8 m=8
